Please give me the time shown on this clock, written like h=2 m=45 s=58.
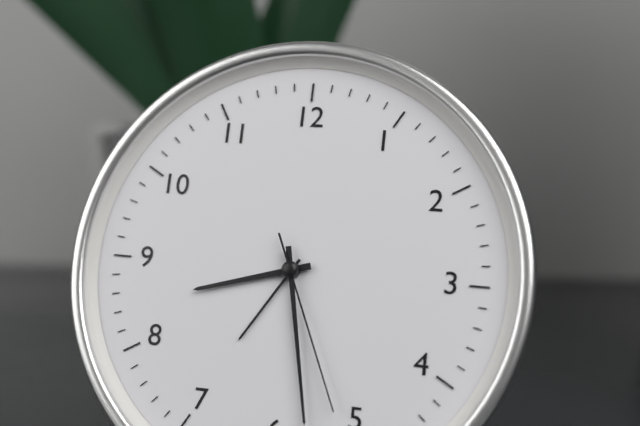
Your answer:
h=8 m=28 s=26
